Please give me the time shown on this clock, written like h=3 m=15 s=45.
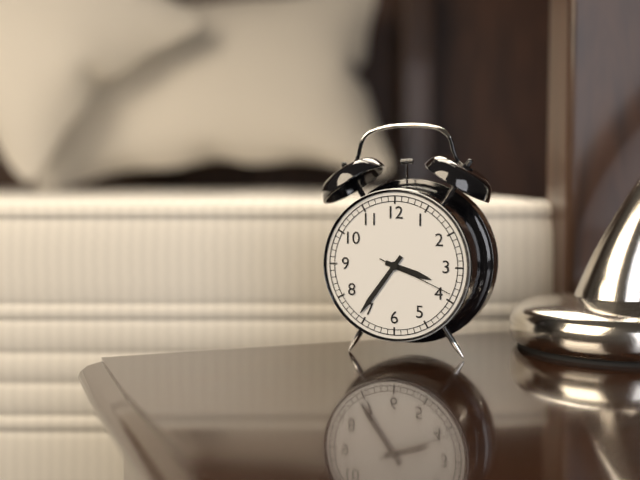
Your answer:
h=3 m=36 s=19
